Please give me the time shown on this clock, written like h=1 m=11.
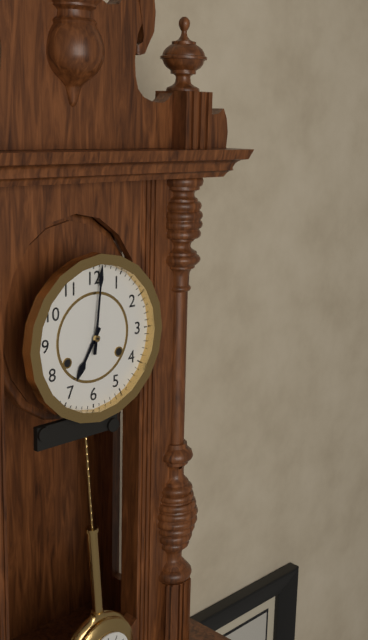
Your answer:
h=7 m=1
